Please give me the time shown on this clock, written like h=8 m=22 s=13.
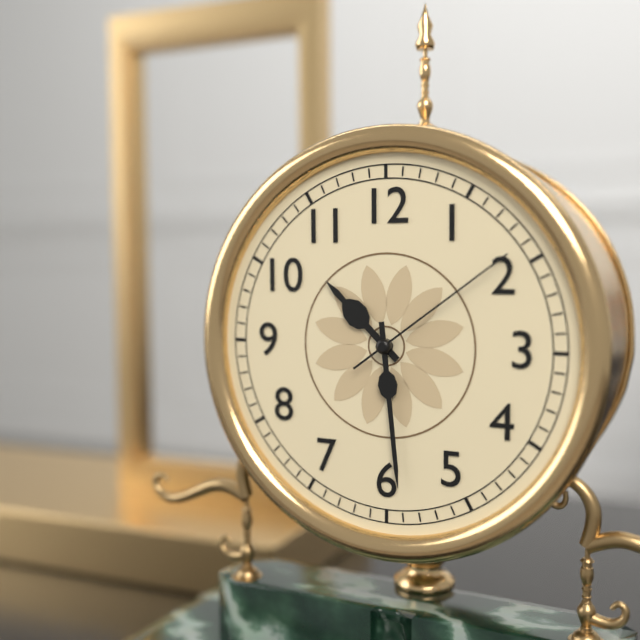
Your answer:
h=10 m=29 s=9
